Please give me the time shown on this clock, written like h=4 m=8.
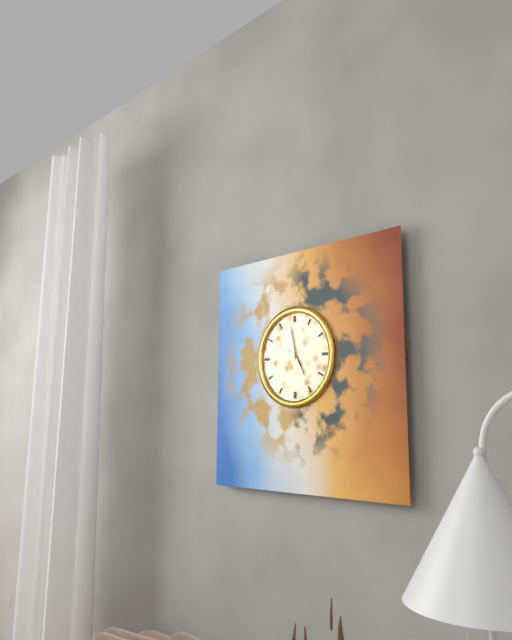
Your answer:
h=4 m=58
